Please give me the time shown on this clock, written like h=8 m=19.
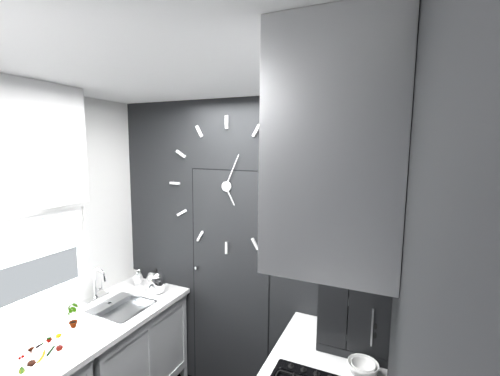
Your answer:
h=5 m=4
